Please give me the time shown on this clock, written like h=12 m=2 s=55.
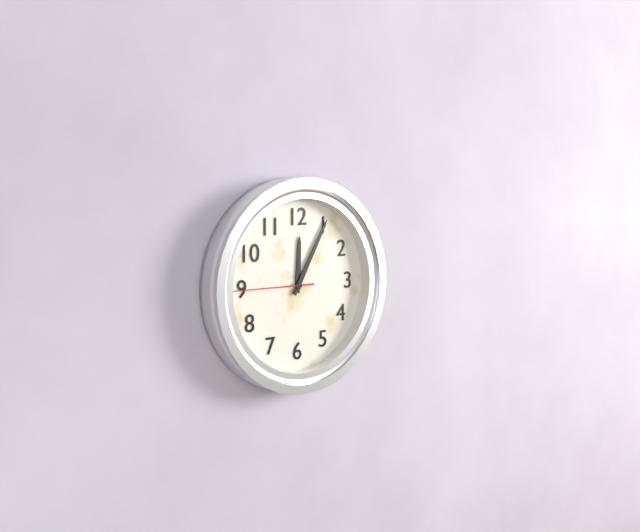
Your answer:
h=12 m=5 s=45
